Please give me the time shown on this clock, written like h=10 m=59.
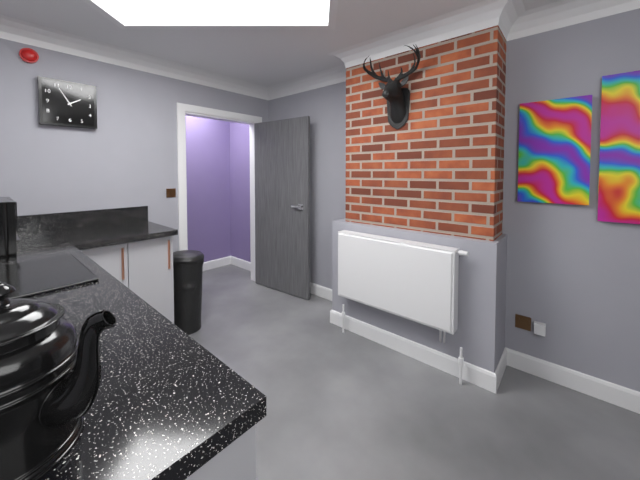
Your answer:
h=1 m=55
